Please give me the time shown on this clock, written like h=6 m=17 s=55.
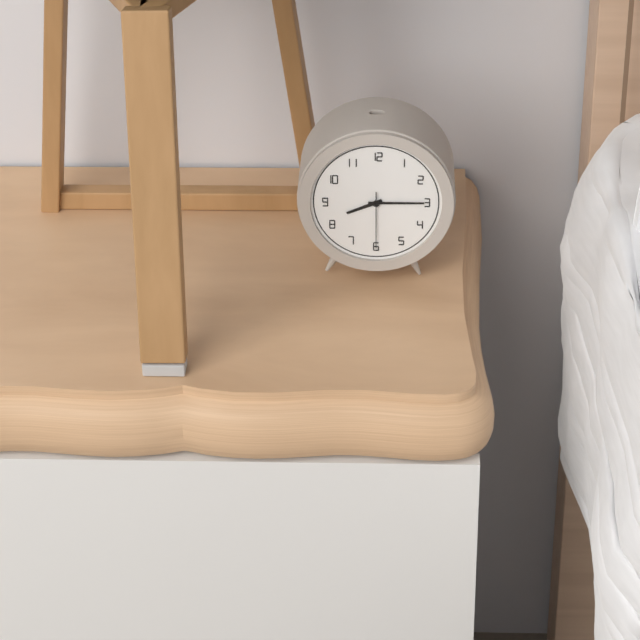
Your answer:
h=8 m=15 s=30
